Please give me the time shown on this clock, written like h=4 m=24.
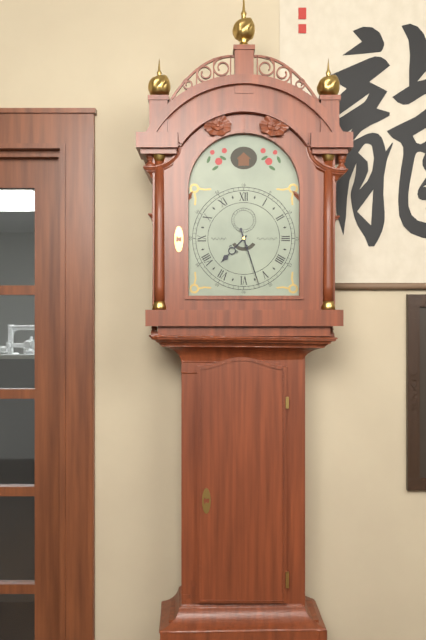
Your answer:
h=7 m=27
